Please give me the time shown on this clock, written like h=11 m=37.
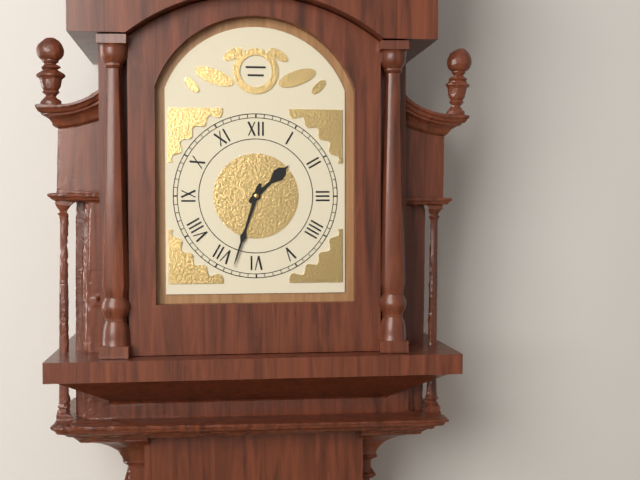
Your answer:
h=1 m=33
